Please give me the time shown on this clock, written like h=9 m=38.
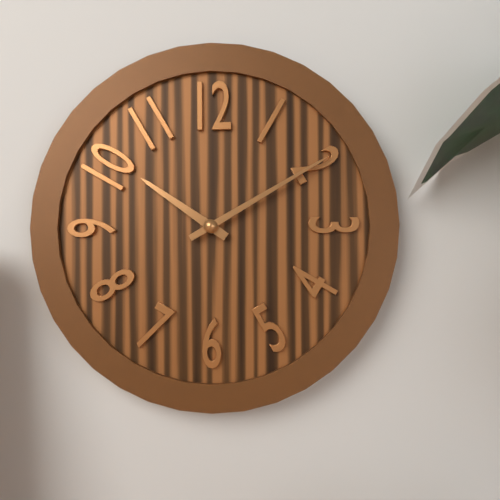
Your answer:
h=10 m=10
